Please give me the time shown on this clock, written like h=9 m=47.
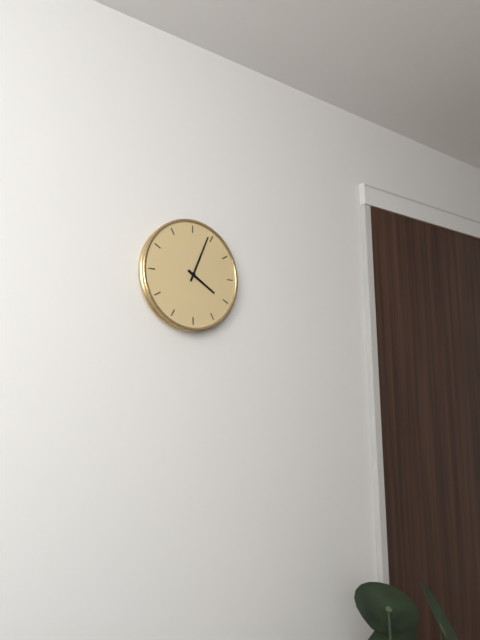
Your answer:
h=4 m=4
